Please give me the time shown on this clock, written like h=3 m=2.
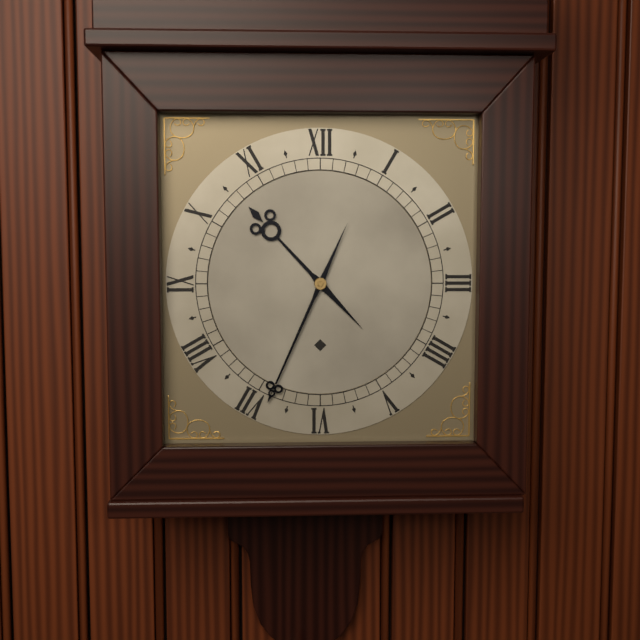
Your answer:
h=10 m=34
